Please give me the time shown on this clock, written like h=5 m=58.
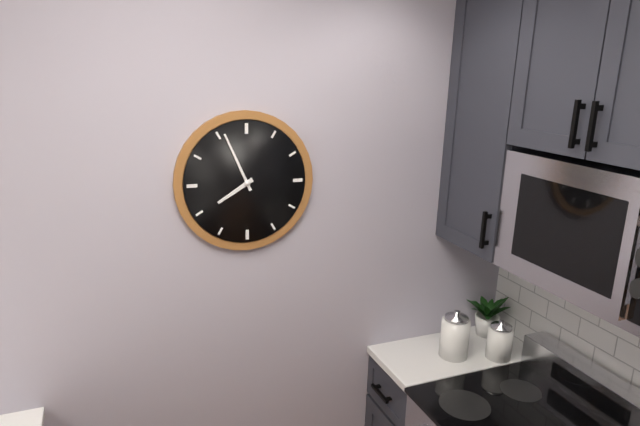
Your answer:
h=7 m=56
